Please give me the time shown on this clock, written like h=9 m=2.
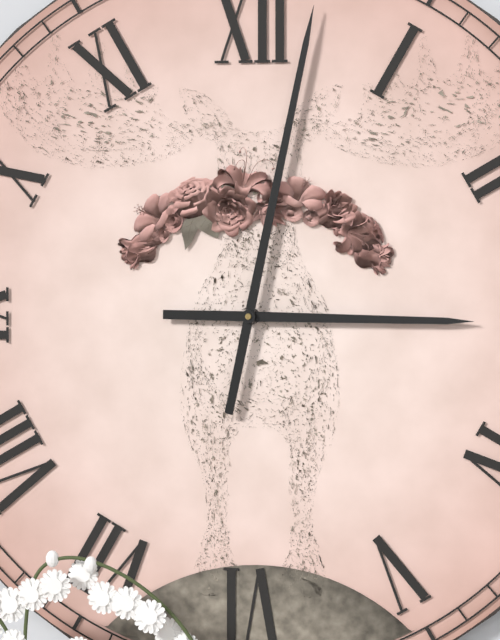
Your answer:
h=3 m=2
